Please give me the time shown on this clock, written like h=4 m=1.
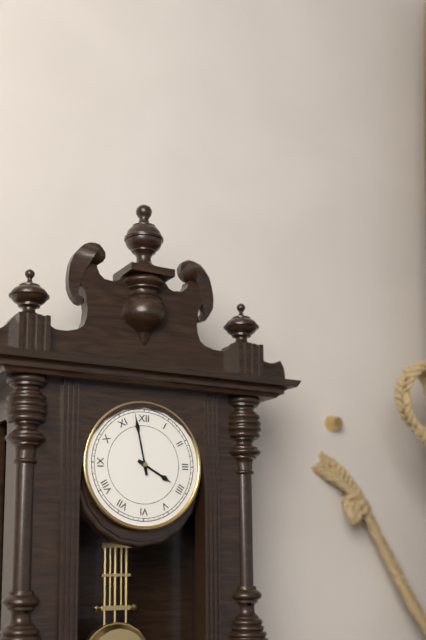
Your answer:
h=3 m=58
